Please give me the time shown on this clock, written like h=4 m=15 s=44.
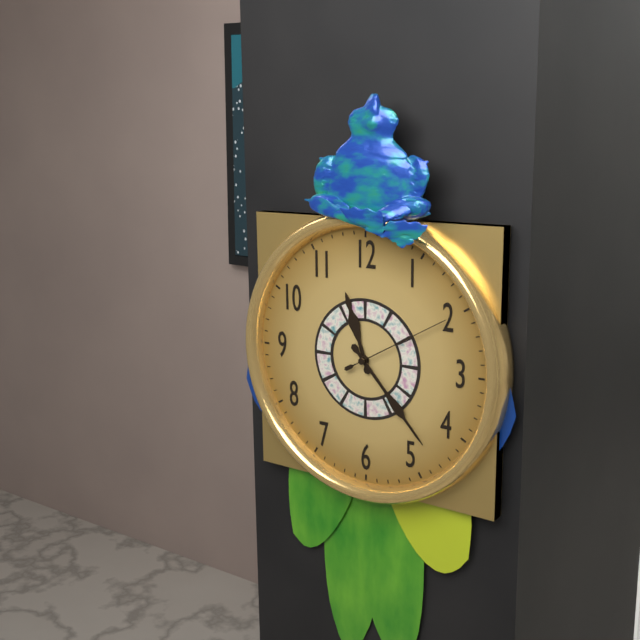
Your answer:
h=11 m=23 s=10
